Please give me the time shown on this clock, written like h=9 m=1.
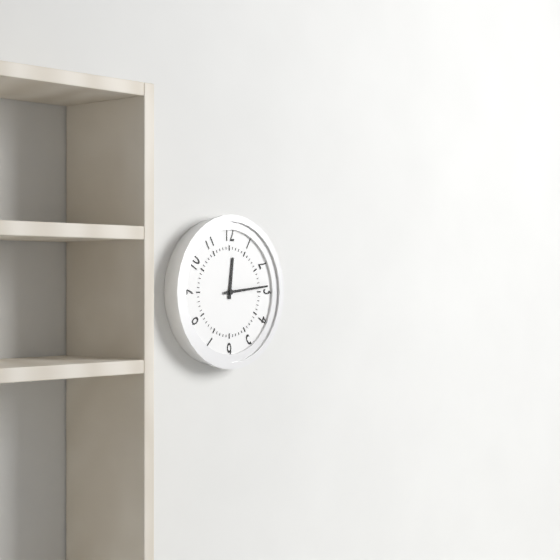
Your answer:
h=12 m=14
